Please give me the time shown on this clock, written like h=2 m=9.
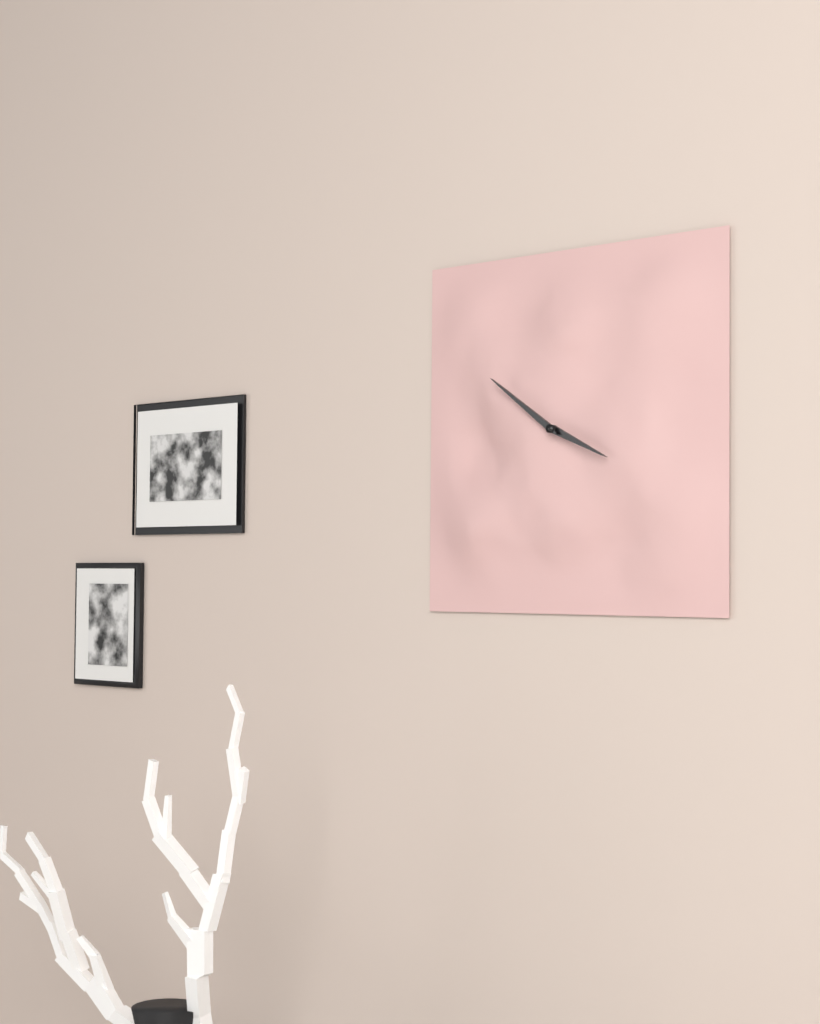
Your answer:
h=3 m=51
